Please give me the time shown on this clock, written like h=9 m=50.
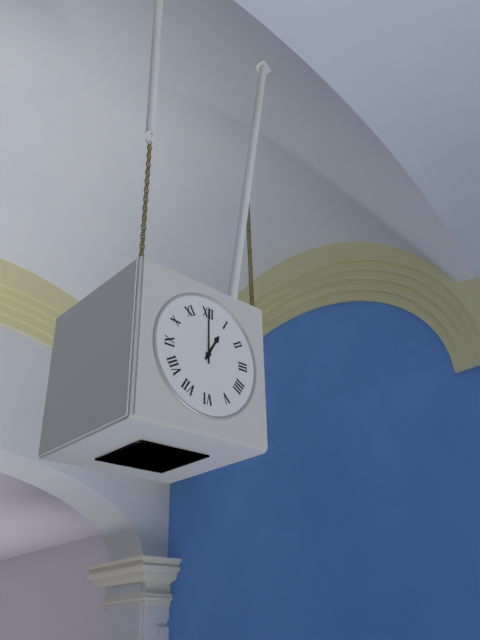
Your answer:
h=1 m=0
